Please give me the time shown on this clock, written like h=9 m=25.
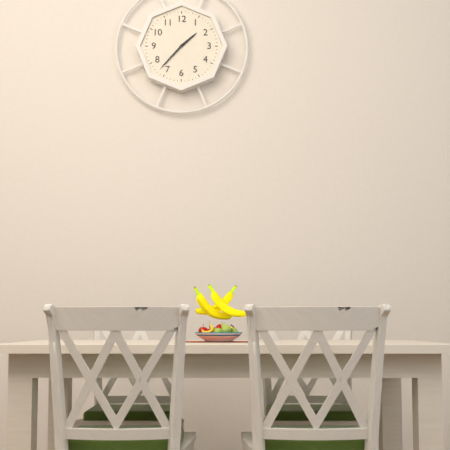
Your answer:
h=1 m=37
